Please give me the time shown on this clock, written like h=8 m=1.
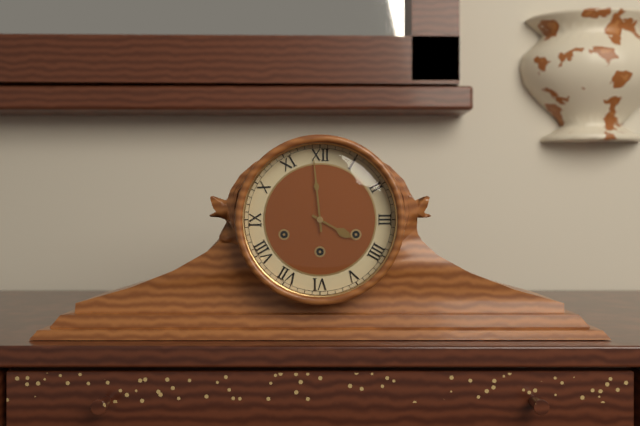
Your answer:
h=3 m=59
